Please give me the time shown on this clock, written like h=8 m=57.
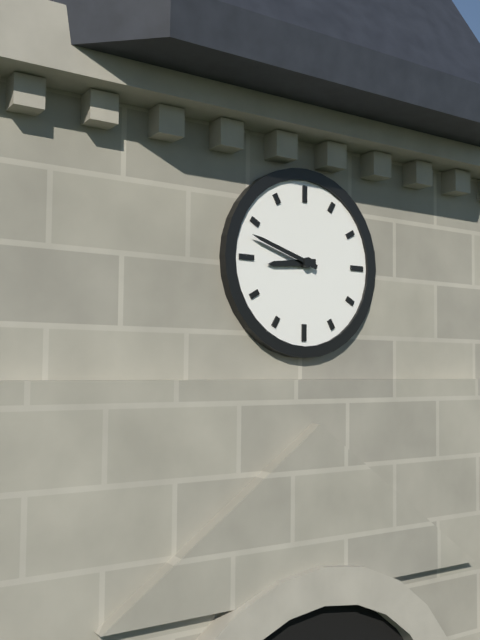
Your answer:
h=8 m=48
